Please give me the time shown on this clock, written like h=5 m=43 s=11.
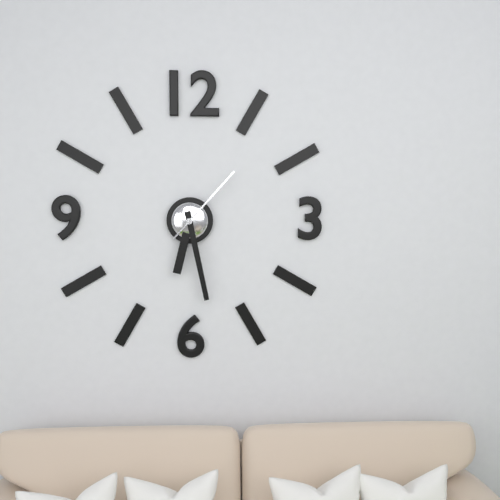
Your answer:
h=6 m=28 s=7
